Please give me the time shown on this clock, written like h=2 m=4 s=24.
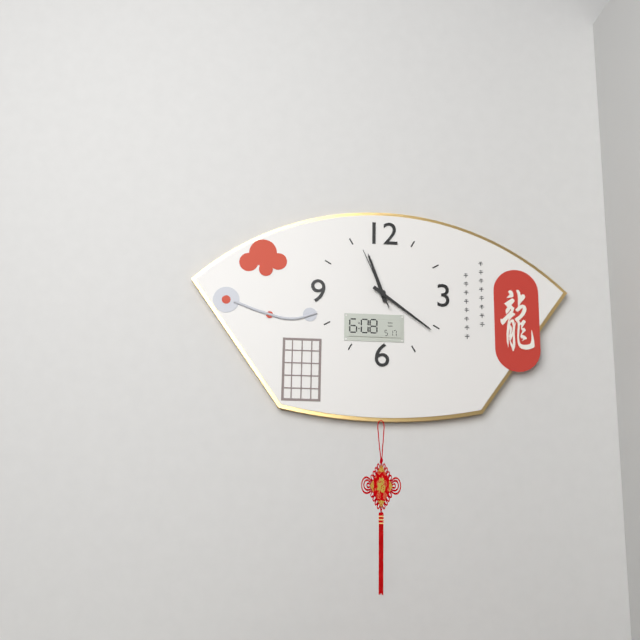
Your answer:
h=11 m=21 s=56
